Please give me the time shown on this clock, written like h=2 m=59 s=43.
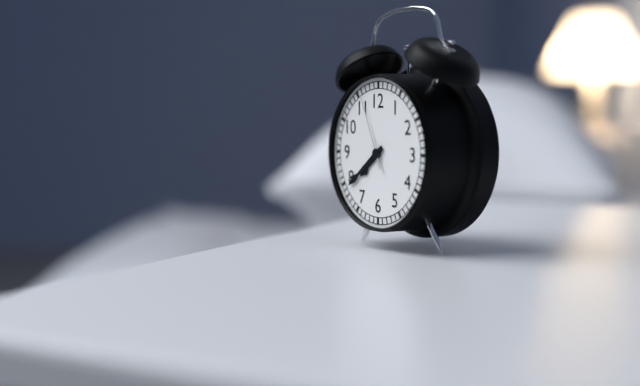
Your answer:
h=7 m=39 s=56
